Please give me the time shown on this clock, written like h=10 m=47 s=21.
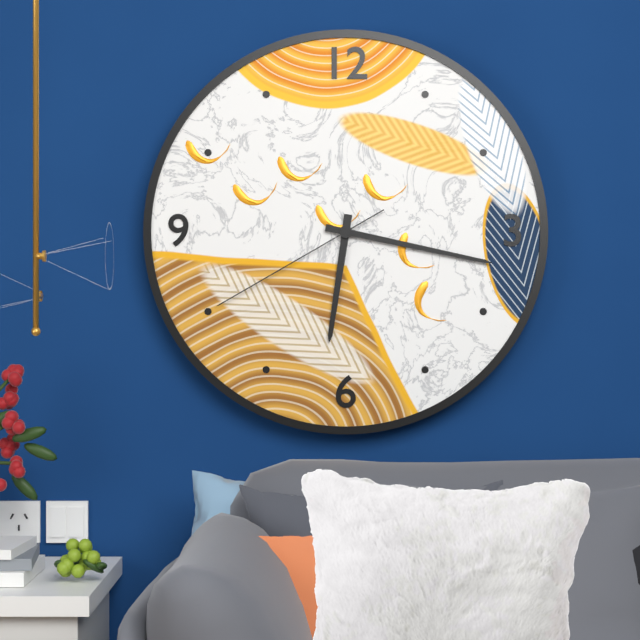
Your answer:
h=6 m=17 s=40
